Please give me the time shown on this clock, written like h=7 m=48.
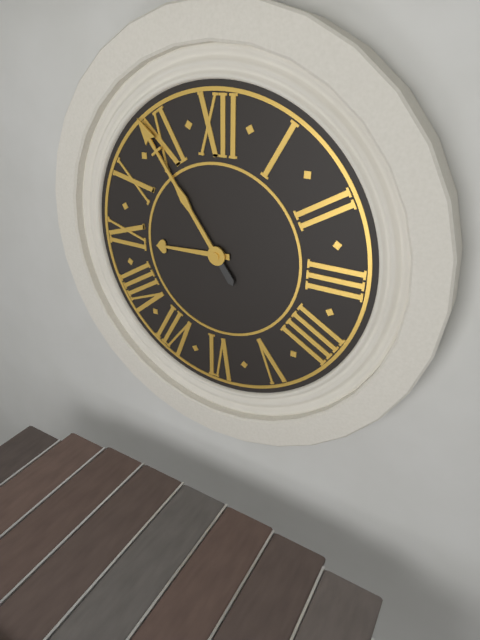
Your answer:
h=8 m=54
